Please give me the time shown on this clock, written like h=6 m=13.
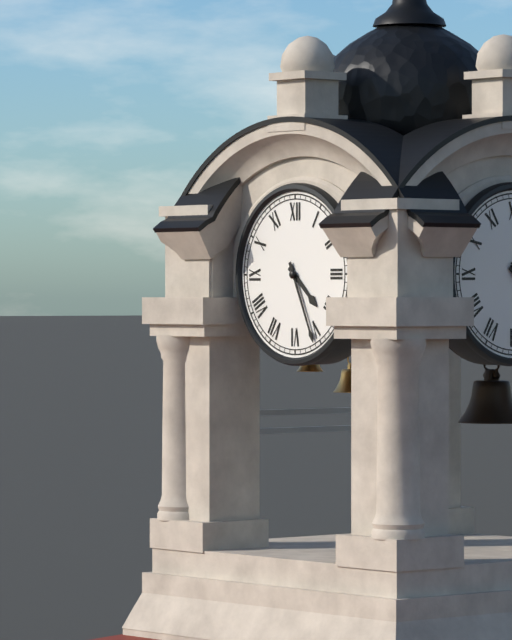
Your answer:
h=4 m=26
